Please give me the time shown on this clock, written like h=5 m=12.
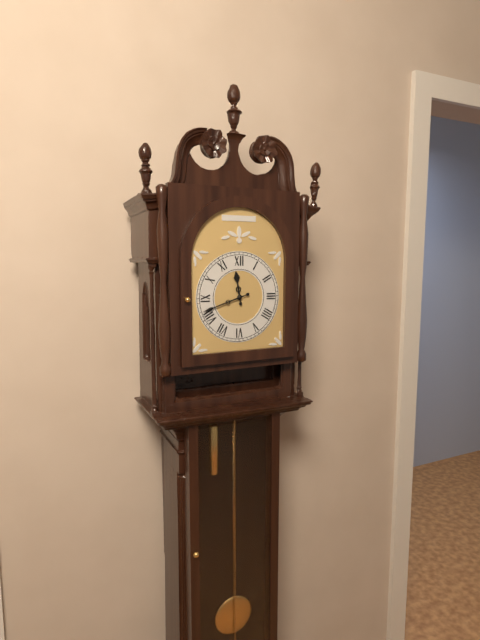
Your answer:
h=11 m=42
